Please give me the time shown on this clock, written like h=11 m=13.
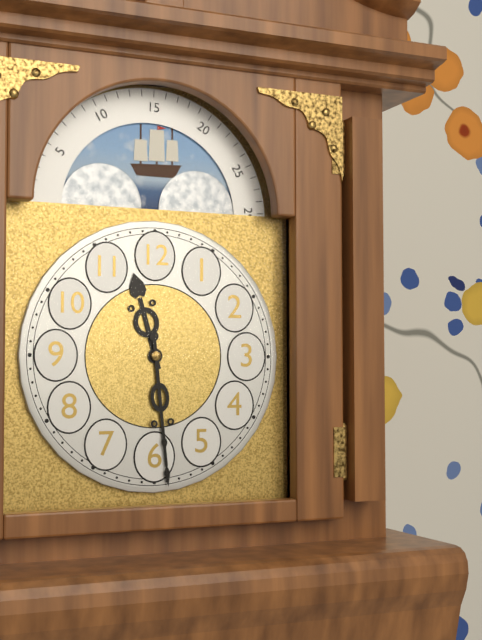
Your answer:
h=11 m=29
